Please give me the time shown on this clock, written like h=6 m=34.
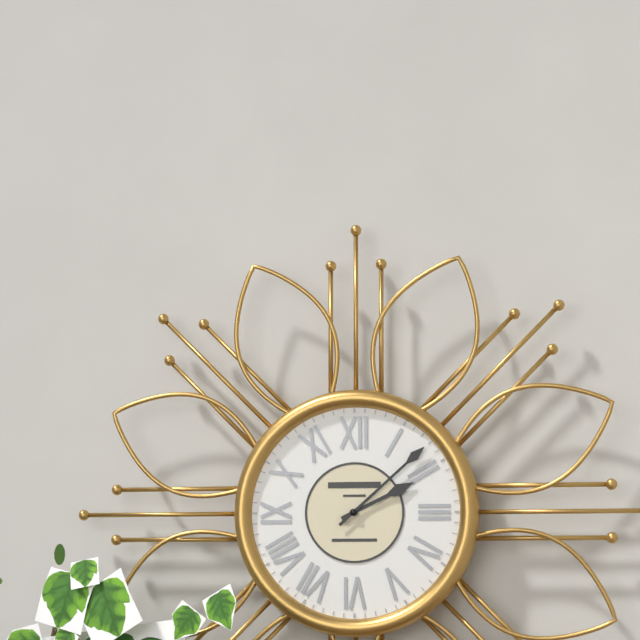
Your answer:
h=2 m=8
